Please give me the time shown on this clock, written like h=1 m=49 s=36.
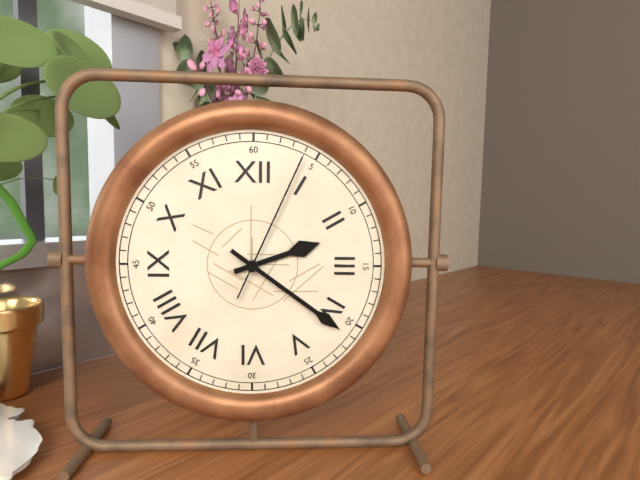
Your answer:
h=2 m=21 s=4
